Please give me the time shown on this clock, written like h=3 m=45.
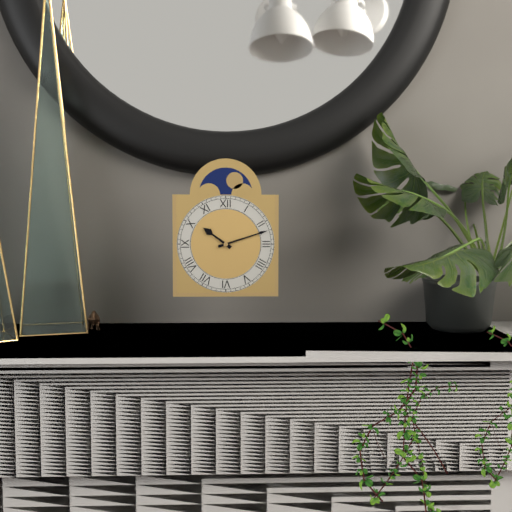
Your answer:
h=10 m=12
